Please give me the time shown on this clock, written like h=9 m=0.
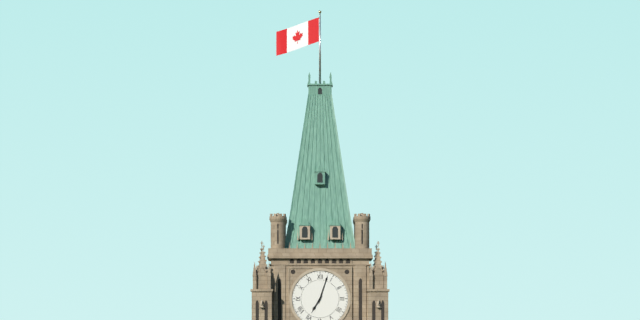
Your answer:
h=7 m=3
